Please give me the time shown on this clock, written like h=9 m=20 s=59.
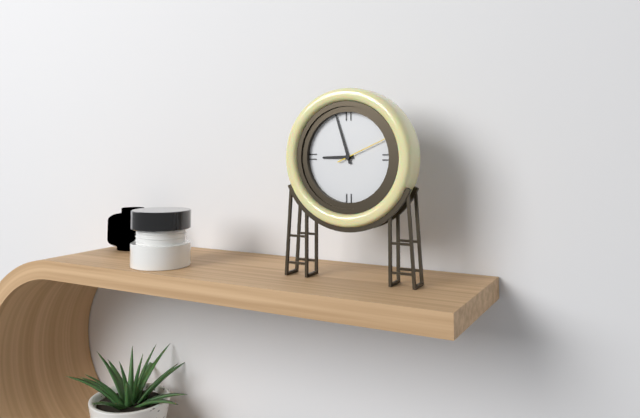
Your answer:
h=8 m=57 s=11
